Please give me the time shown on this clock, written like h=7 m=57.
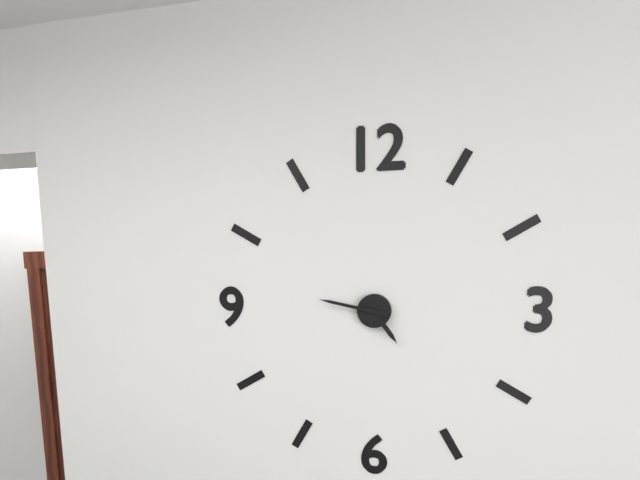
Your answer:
h=4 m=47
